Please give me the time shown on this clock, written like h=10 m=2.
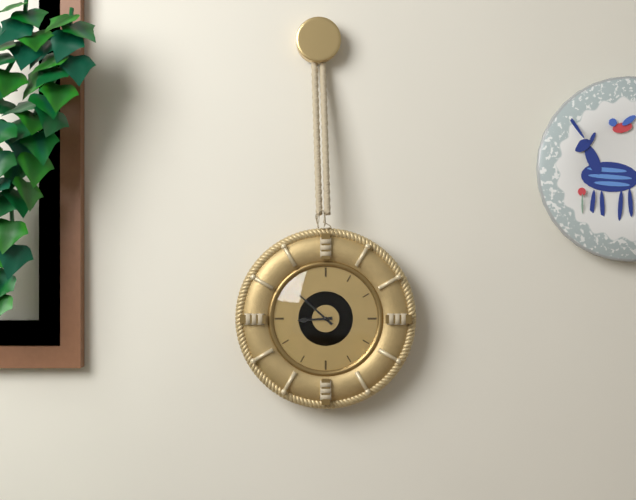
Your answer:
h=8 m=52
